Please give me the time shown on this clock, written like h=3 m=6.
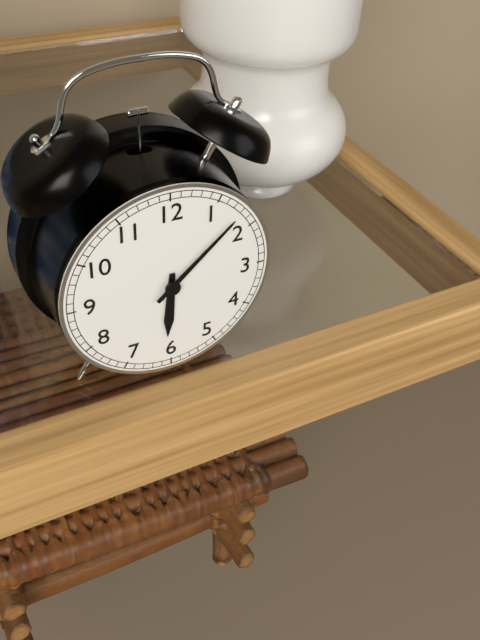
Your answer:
h=6 m=8
